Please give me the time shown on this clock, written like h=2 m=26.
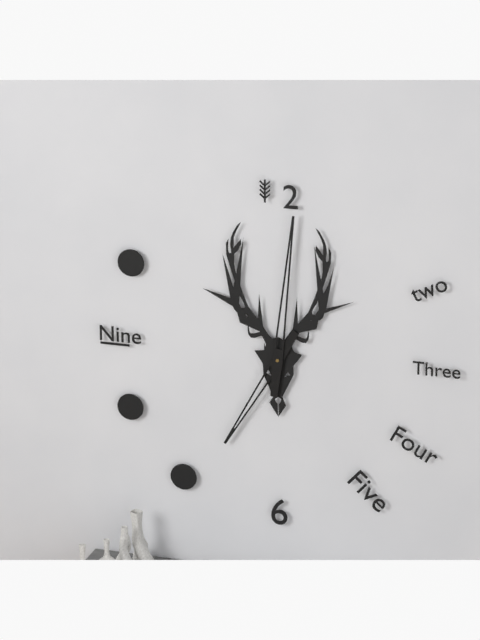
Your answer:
h=7 m=1
